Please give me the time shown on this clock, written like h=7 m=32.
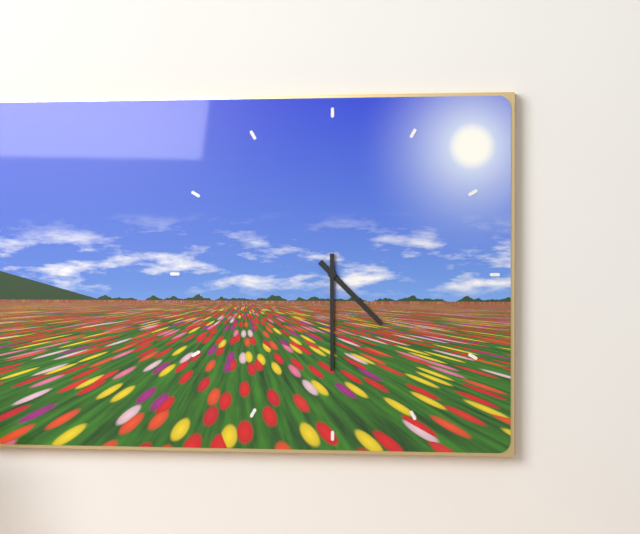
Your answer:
h=4 m=30
